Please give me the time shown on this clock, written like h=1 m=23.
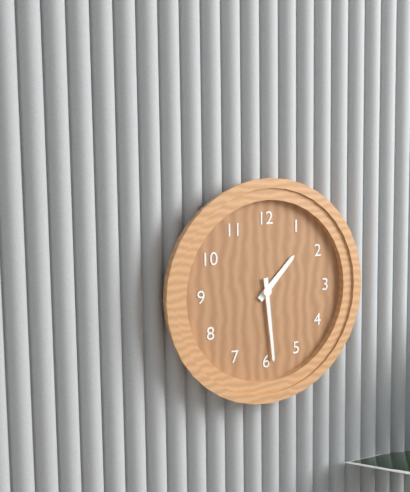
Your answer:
h=1 m=29
